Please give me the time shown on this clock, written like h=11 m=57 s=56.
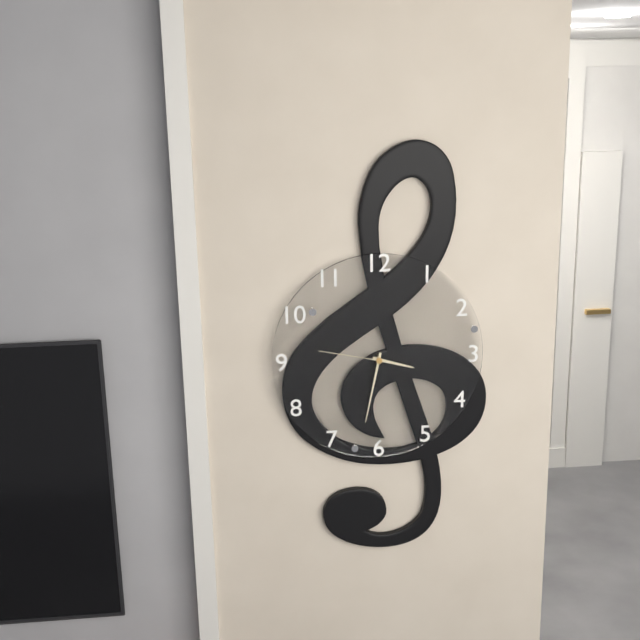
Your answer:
h=3 m=32 s=47
